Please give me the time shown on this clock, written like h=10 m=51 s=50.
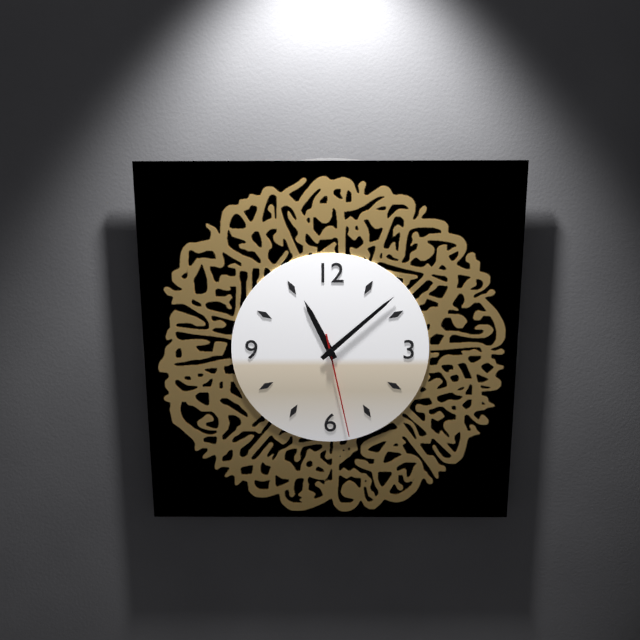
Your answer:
h=11 m=8 s=28
